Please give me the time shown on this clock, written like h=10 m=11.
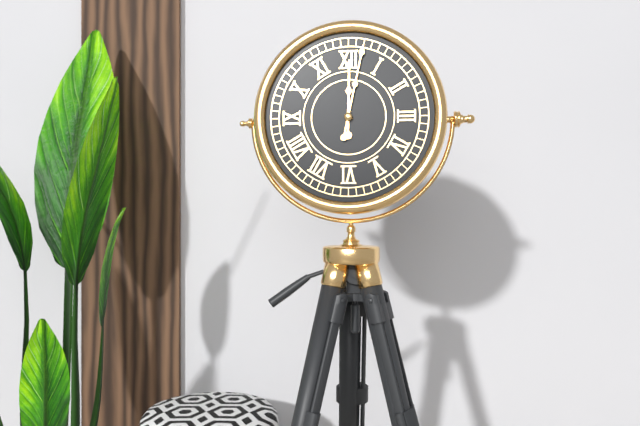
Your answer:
h=12 m=2
